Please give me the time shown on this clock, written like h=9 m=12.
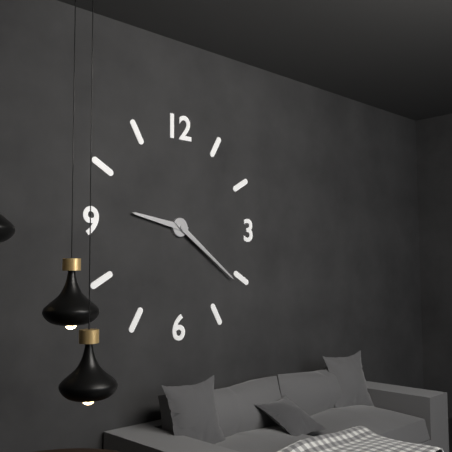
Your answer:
h=9 m=21
